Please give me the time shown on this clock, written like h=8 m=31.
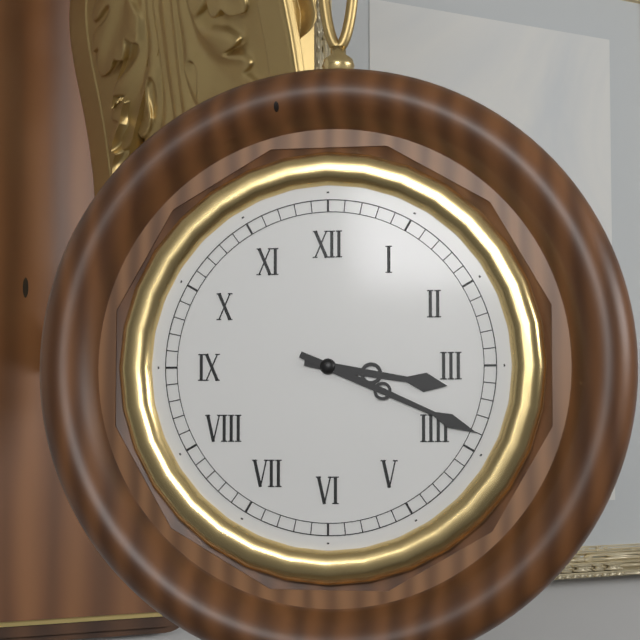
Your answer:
h=3 m=19
